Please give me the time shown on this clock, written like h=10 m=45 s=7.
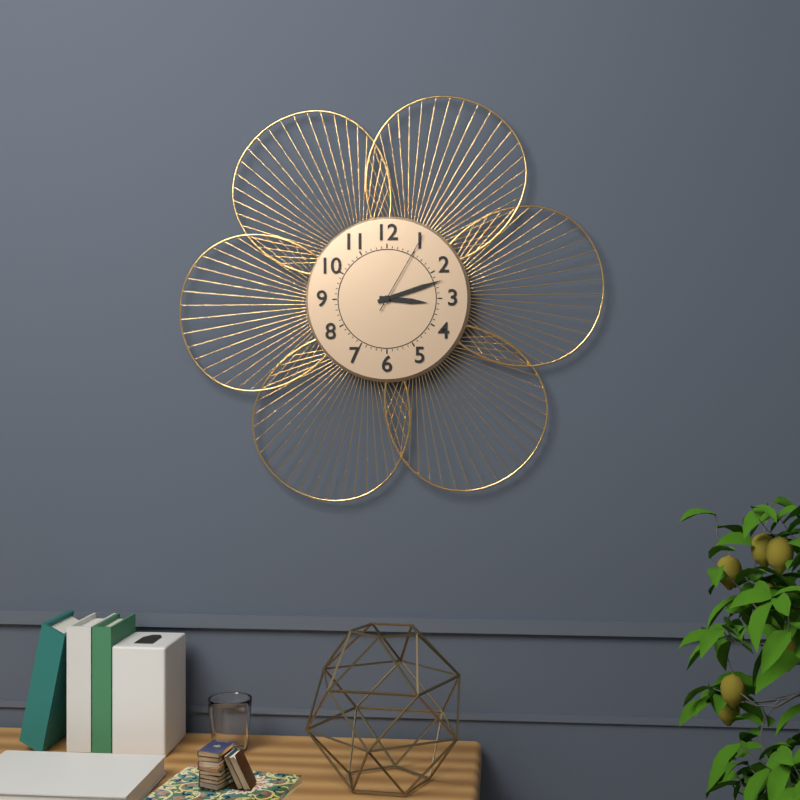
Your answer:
h=3 m=12 s=5
